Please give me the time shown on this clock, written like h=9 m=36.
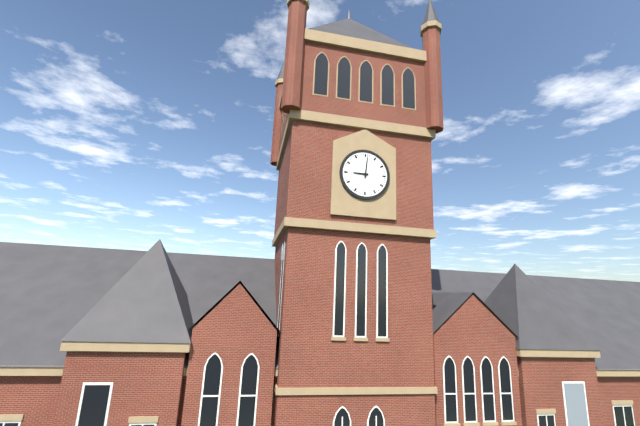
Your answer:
h=9 m=1
